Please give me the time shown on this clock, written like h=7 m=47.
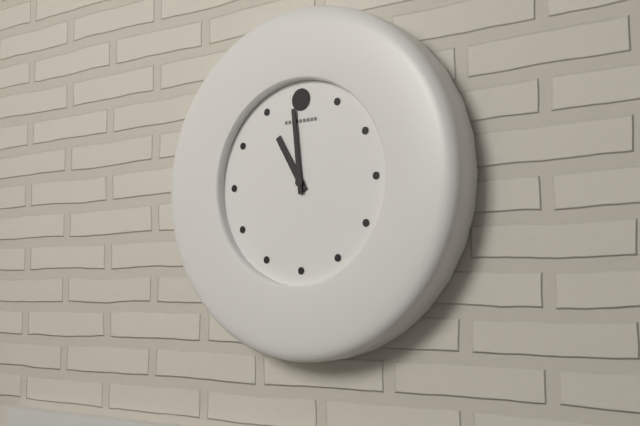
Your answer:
h=10 m=59
